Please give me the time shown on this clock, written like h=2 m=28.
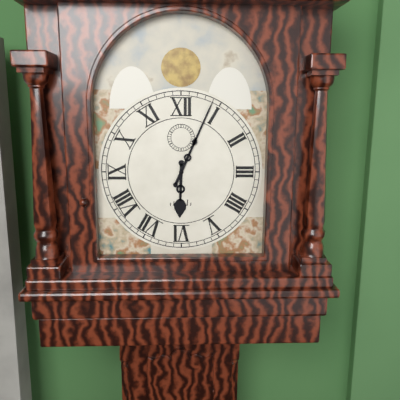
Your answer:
h=6 m=4
